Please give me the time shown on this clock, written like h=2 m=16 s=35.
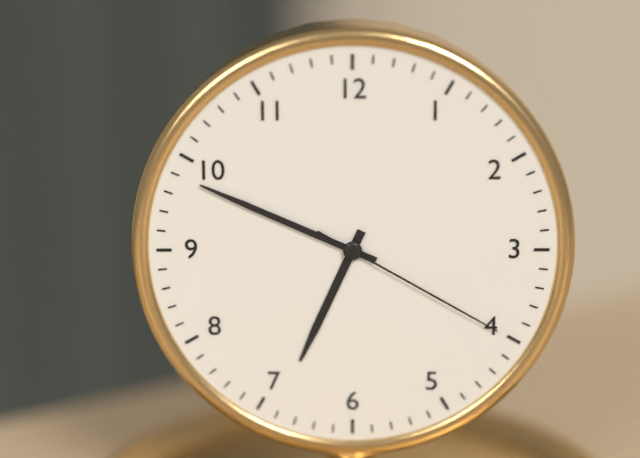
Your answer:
h=6 m=49 s=20
